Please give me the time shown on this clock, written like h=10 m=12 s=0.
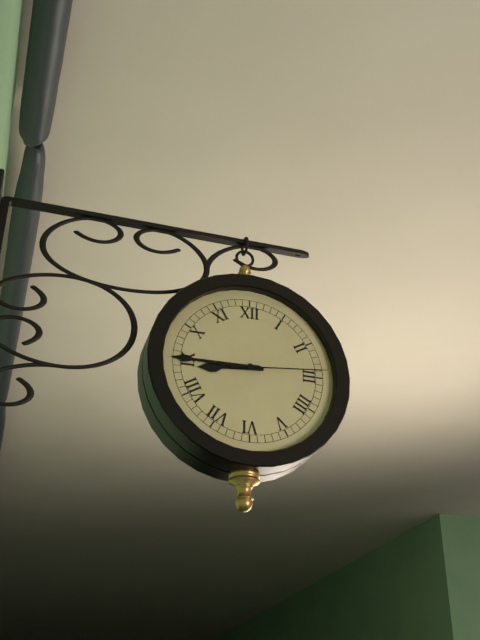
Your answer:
h=8 m=45 s=14
